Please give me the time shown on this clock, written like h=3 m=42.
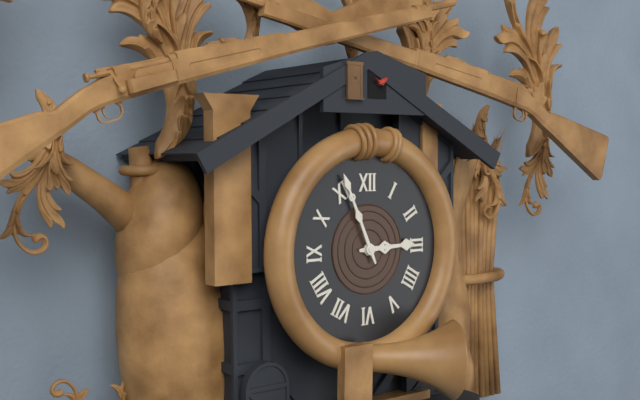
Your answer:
h=2 m=56
